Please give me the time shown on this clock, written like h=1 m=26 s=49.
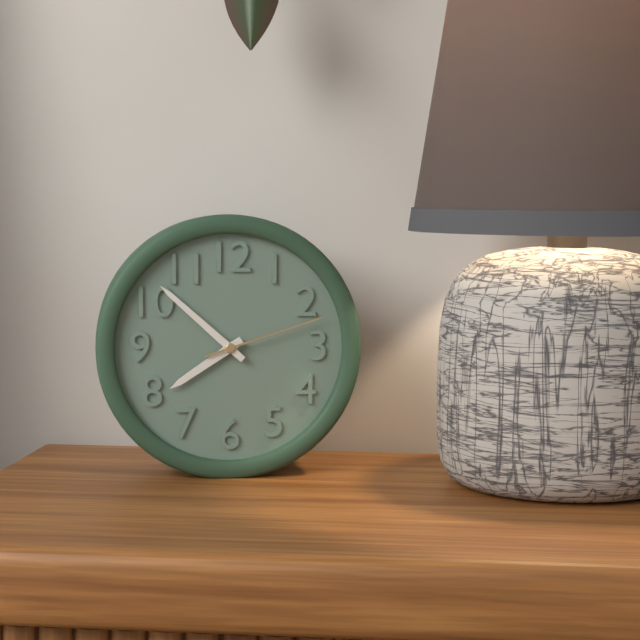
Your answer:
h=7 m=52 s=12
